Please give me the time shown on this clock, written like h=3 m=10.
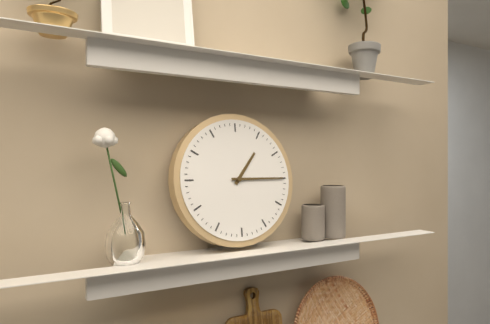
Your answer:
h=1 m=15
